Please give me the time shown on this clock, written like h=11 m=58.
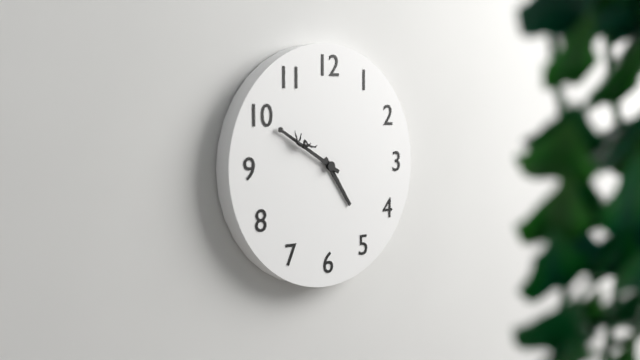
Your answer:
h=4 m=50
